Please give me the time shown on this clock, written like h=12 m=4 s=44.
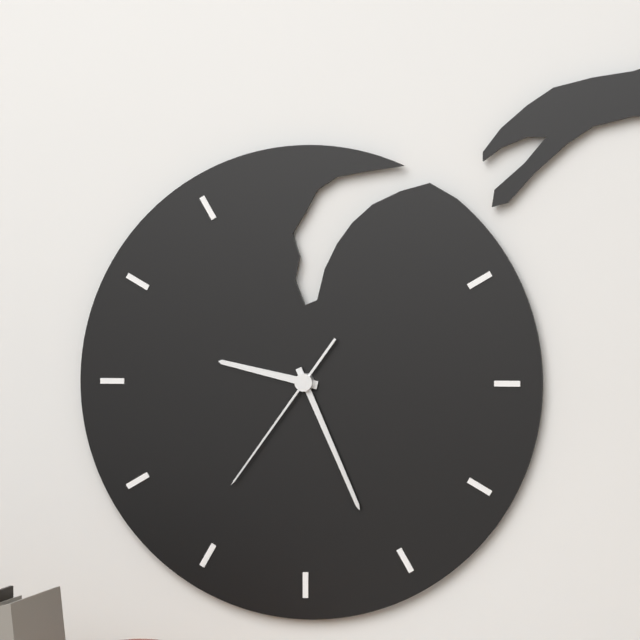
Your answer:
h=9 m=26 s=36
